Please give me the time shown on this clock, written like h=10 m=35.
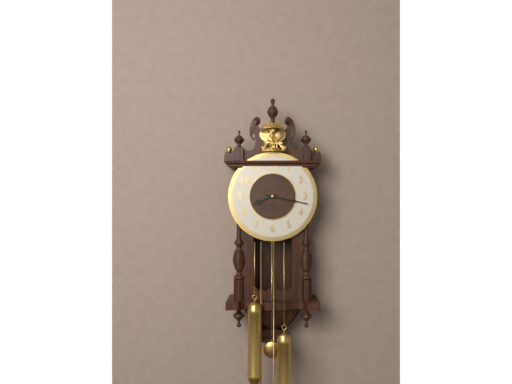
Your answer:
h=8 m=17
